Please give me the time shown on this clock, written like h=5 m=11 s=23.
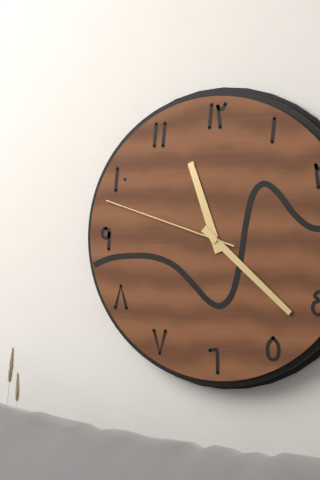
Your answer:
h=11 m=22 s=48
